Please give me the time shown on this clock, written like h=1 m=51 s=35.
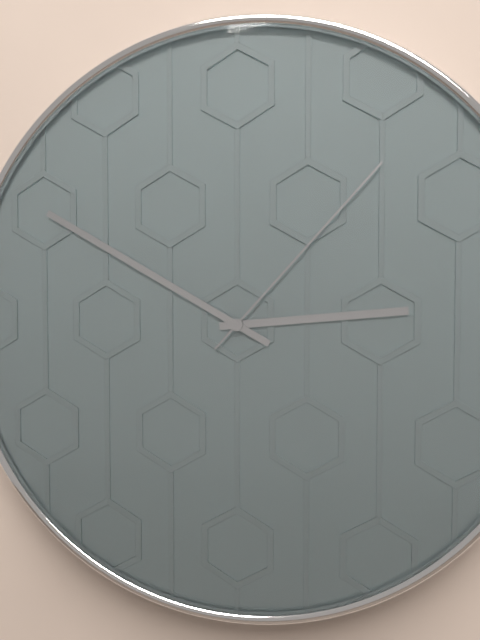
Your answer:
h=2 m=50 s=7
